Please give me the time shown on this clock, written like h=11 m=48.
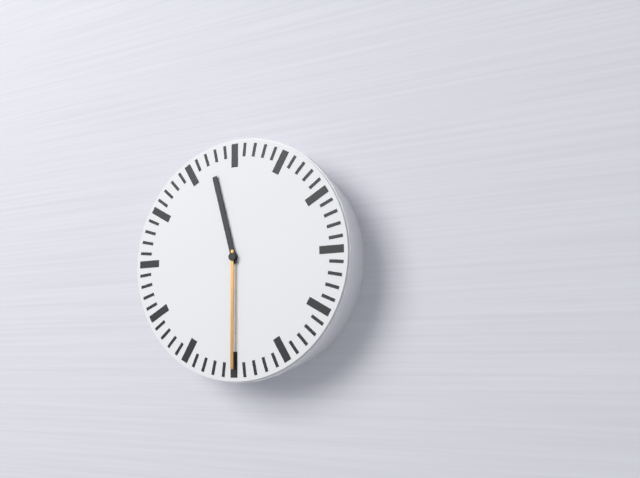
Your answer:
h=11 m=30
